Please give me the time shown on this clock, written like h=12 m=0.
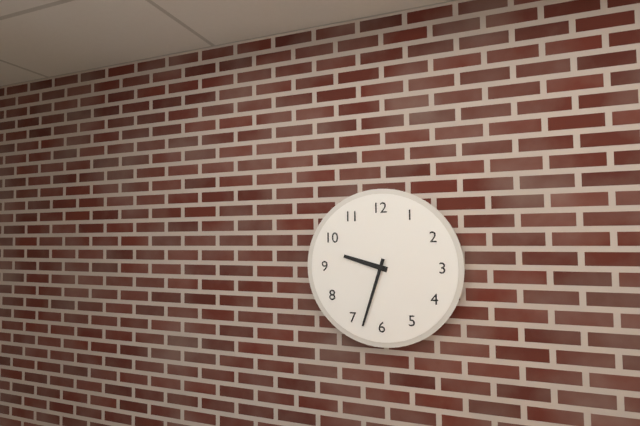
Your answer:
h=9 m=33
